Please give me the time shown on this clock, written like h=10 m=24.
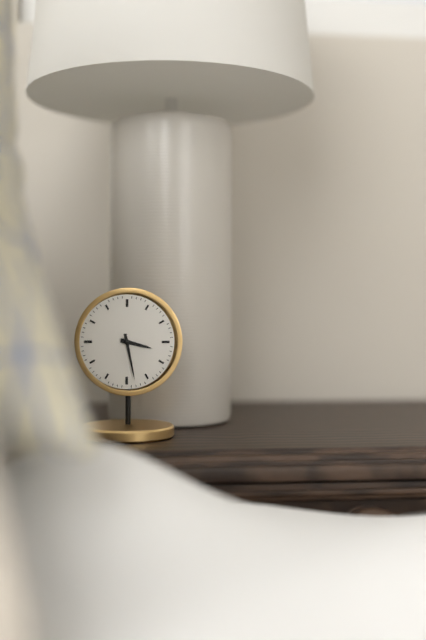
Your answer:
h=3 m=28
